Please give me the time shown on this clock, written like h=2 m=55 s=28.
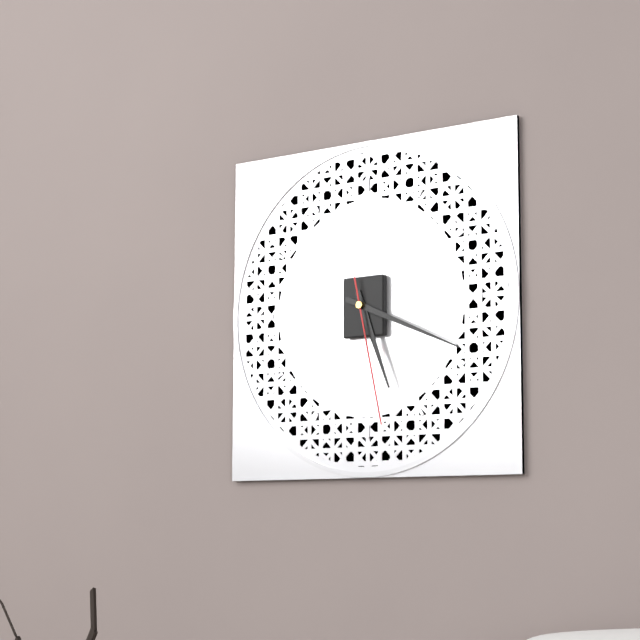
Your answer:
h=5 m=19 s=28
